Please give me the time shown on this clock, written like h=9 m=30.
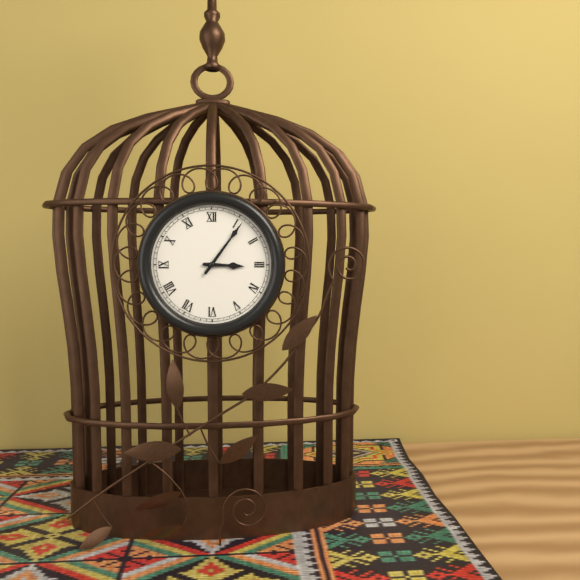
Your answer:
h=3 m=6
